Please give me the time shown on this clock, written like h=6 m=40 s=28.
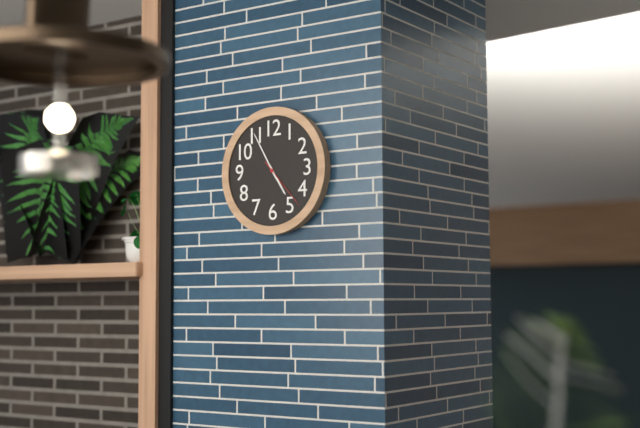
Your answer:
h=4 m=55 s=23
